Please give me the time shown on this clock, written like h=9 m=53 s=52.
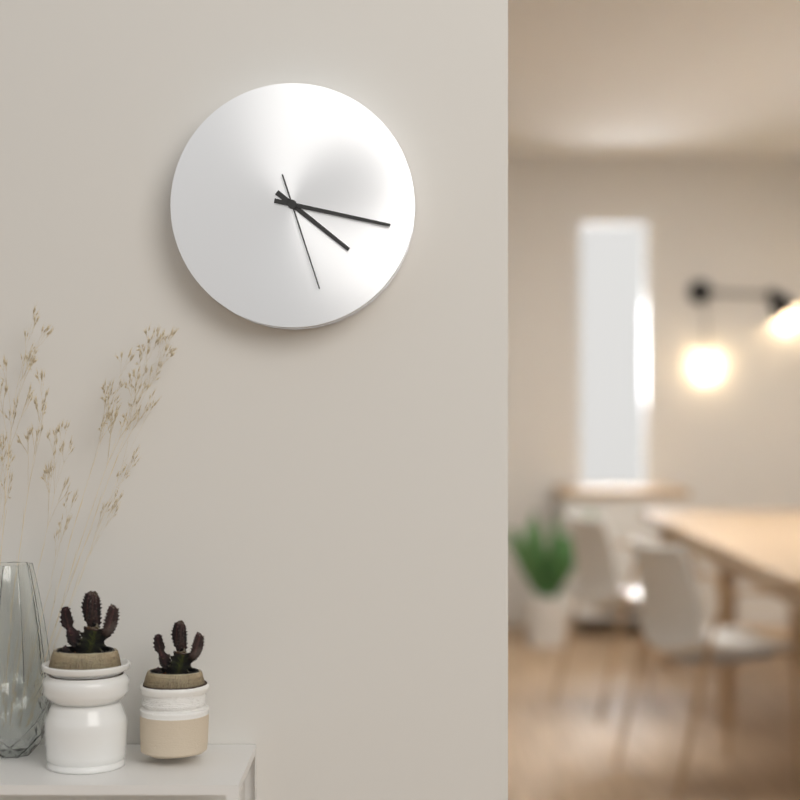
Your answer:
h=4 m=17 s=27
